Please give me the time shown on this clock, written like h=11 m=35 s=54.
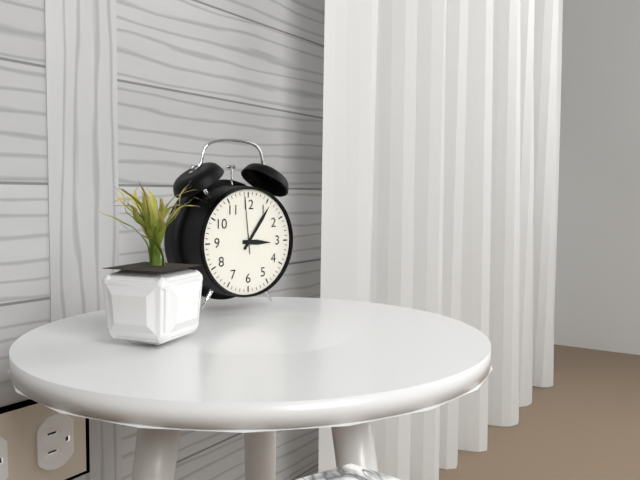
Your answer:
h=3 m=6 s=59
